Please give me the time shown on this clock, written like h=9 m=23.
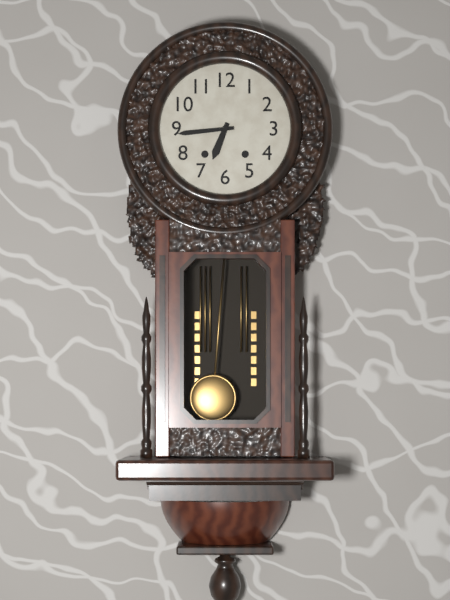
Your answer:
h=6 m=44
